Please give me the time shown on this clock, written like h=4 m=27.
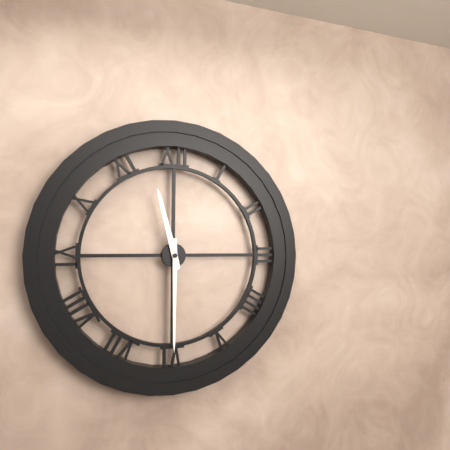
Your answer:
h=11 m=30
